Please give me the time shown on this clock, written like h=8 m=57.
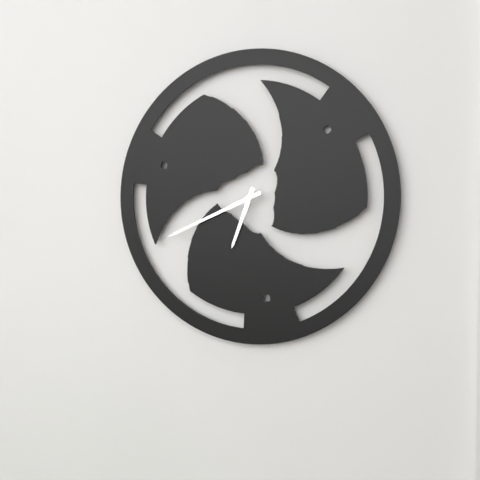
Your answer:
h=6 m=41
